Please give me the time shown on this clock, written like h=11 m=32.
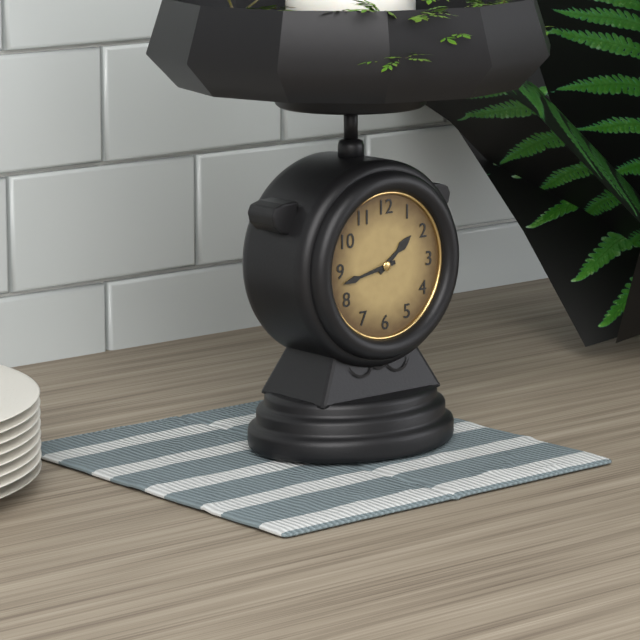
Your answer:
h=1 m=43
